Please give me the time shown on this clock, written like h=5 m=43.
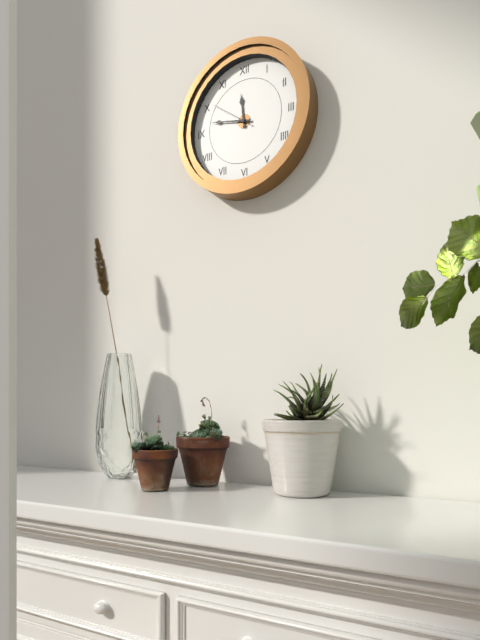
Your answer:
h=11 m=47
